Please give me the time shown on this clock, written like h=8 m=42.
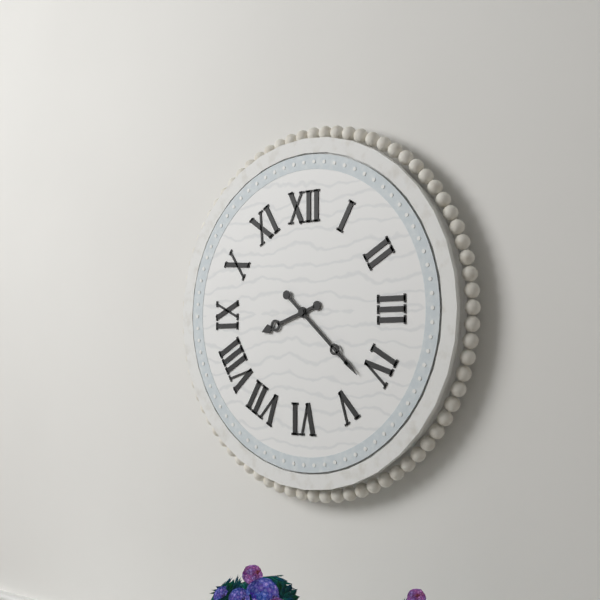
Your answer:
h=8 m=22
